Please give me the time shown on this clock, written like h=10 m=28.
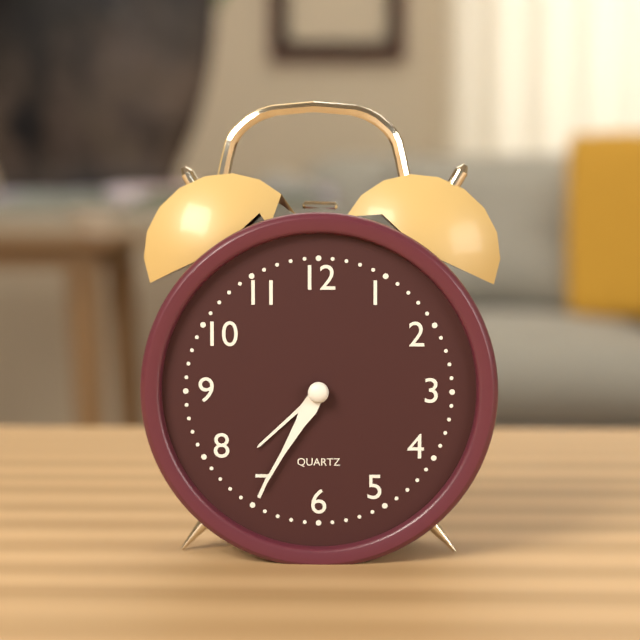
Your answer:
h=7 m=35
